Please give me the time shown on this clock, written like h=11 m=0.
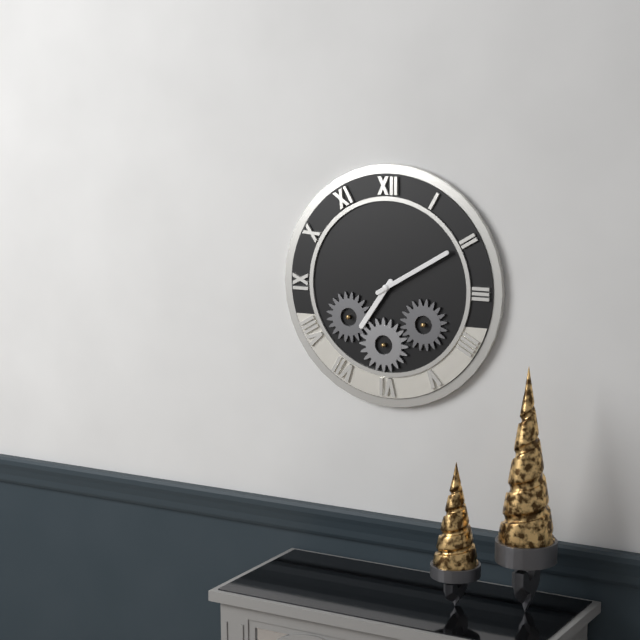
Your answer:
h=7 m=10
